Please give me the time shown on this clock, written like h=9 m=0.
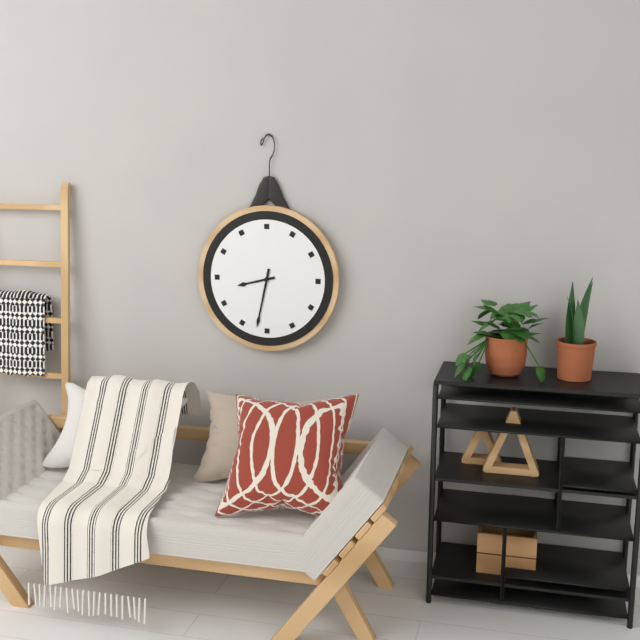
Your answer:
h=8 m=32
